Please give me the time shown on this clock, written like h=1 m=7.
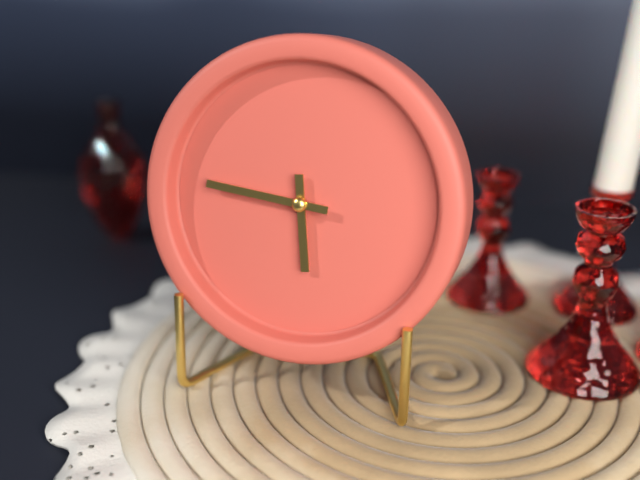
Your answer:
h=5 m=46
